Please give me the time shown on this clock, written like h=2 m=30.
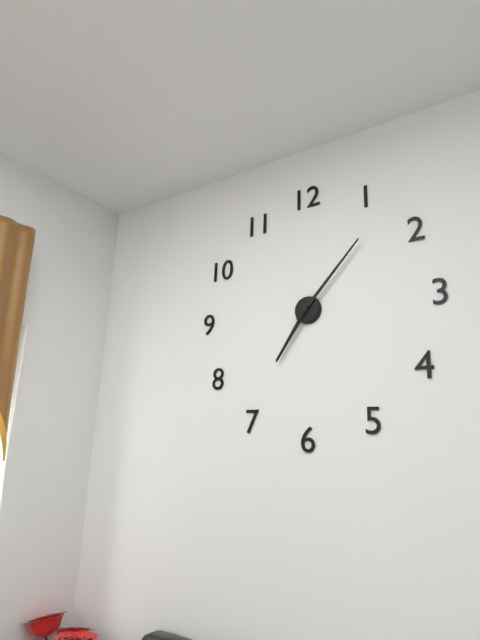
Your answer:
h=7 m=7
